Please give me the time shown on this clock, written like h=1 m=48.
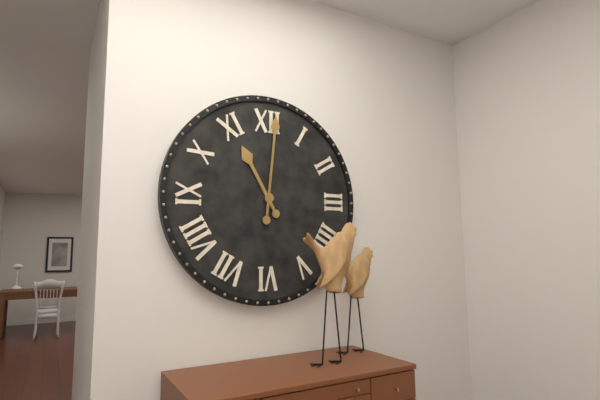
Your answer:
h=11 m=1
